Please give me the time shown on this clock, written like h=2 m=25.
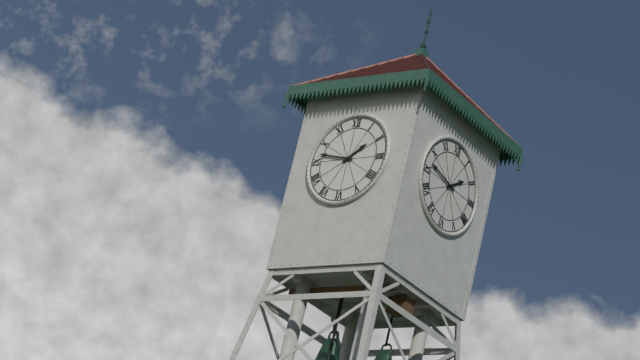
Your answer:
h=1 m=47
